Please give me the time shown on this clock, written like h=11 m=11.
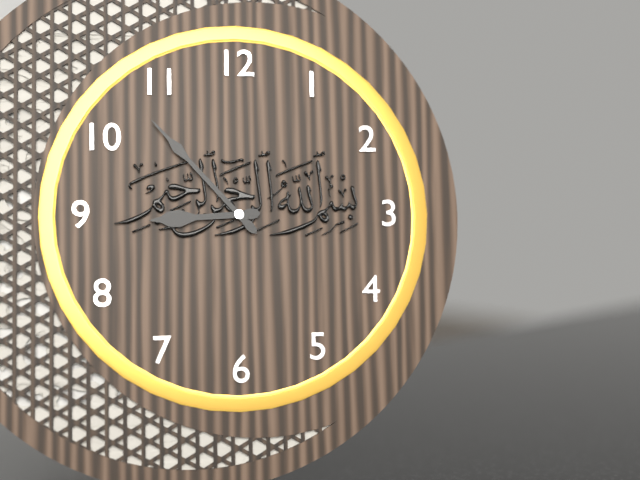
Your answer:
h=8 m=53
